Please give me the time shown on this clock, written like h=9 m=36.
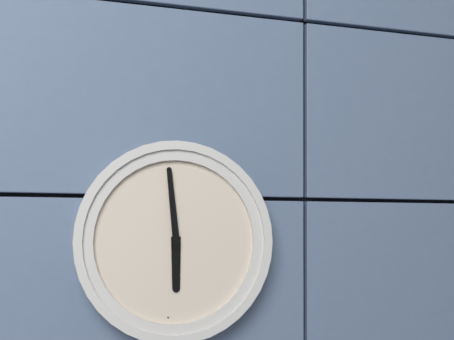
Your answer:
h=5 m=59
